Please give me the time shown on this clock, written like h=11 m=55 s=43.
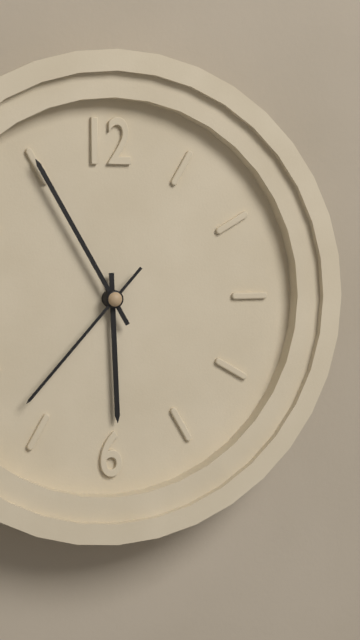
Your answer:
h=5 m=55 s=37
